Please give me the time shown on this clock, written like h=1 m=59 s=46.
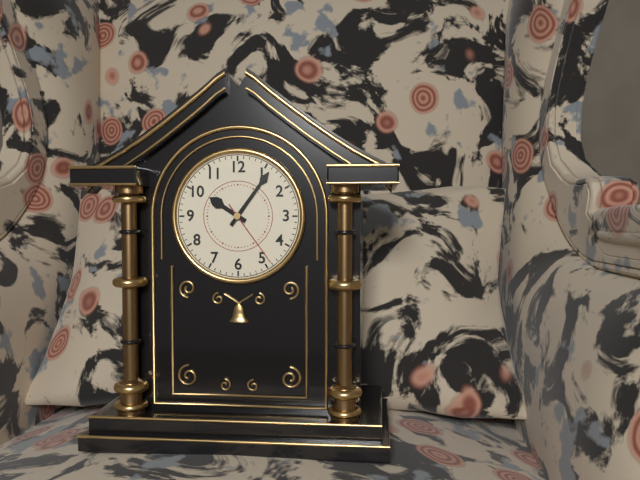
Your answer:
h=10 m=6 s=24
